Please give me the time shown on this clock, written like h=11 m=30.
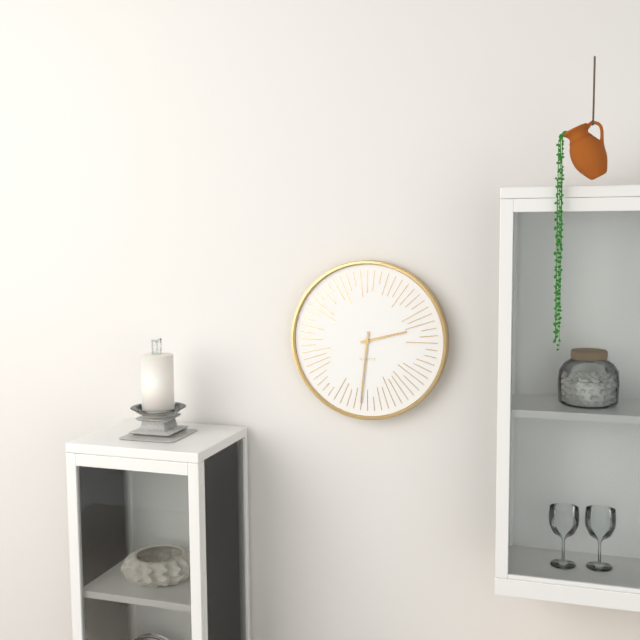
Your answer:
h=2 m=31
